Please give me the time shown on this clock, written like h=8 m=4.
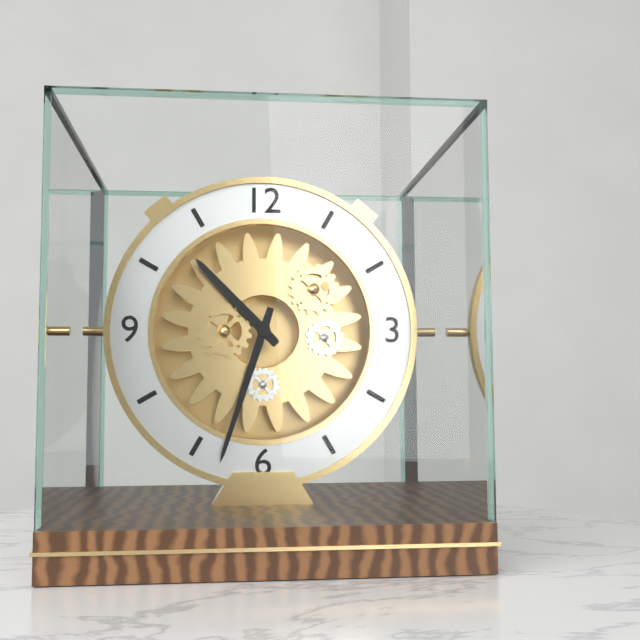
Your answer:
h=10 m=33
